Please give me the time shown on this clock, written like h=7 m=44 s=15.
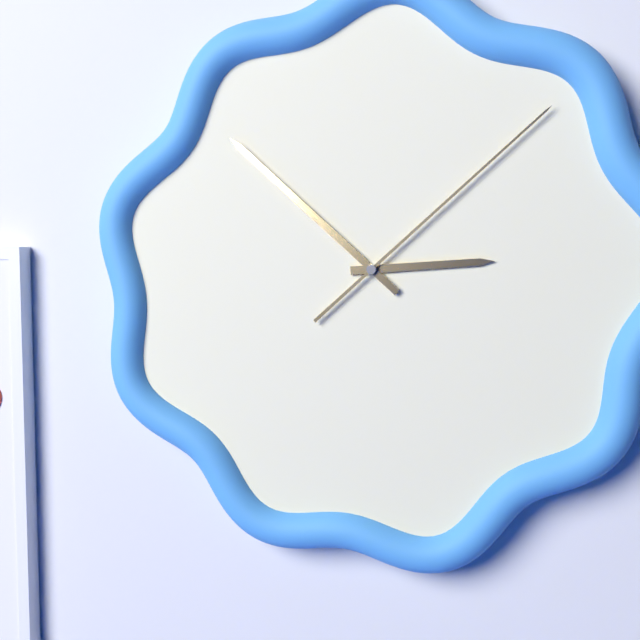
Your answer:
h=2 m=52 s=8
